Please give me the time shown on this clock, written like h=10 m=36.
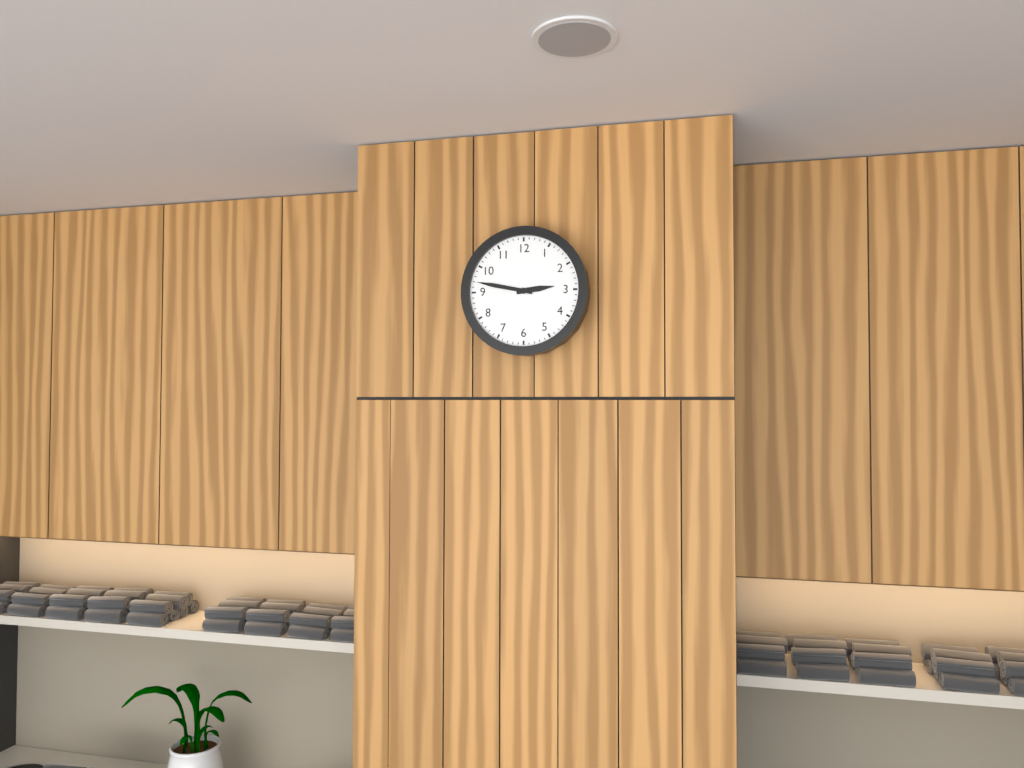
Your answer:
h=2 m=47
